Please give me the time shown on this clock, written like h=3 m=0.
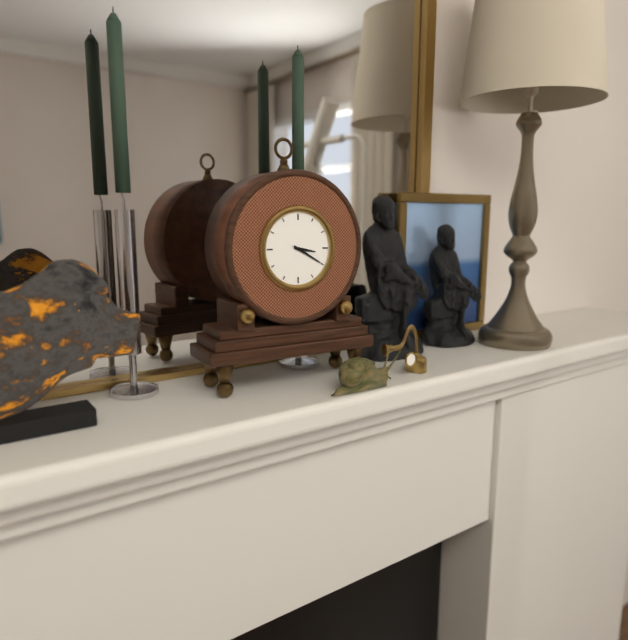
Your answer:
h=3 m=20
